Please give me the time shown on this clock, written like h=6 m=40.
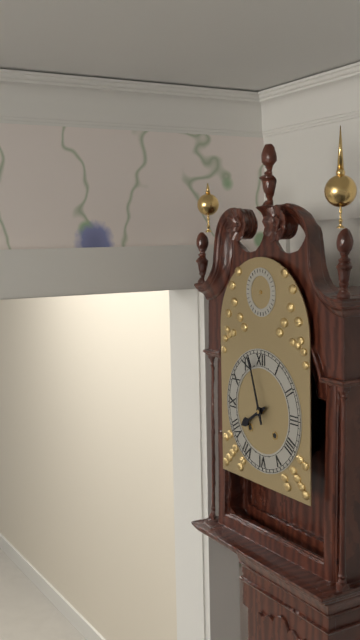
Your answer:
h=7 m=57
